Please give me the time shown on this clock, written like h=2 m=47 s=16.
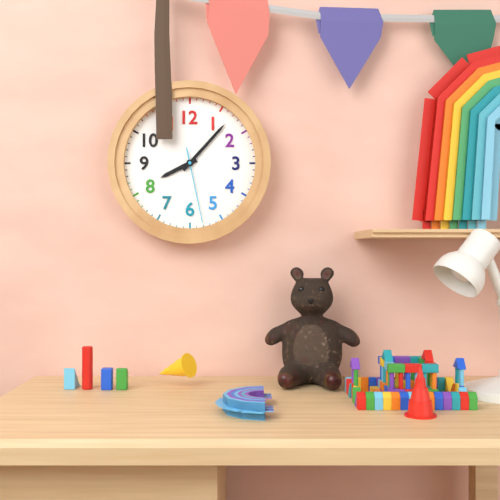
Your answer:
h=8 m=7 s=28
